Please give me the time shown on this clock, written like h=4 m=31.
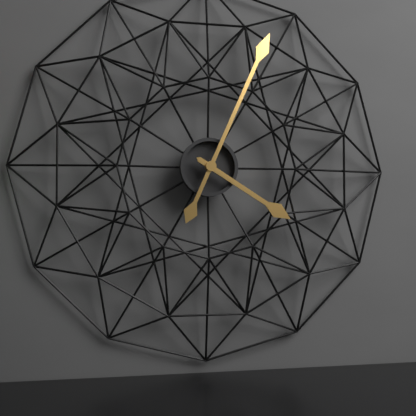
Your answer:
h=4 m=4
